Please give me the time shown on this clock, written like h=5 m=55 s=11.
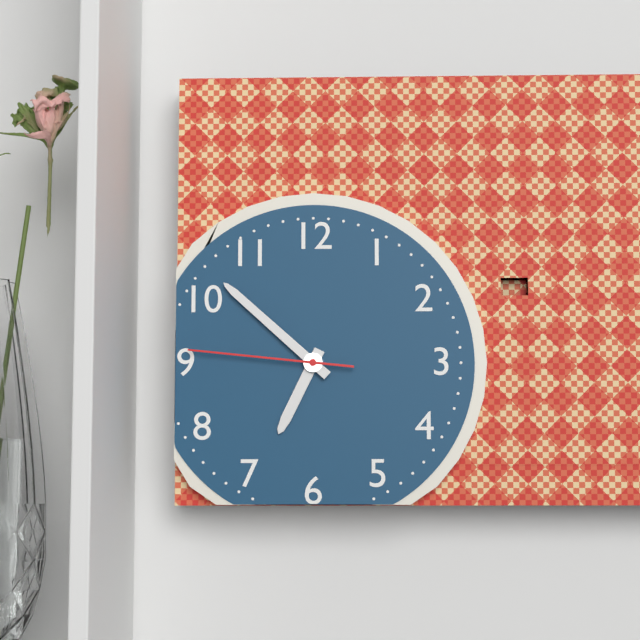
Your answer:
h=6 m=52 s=46
